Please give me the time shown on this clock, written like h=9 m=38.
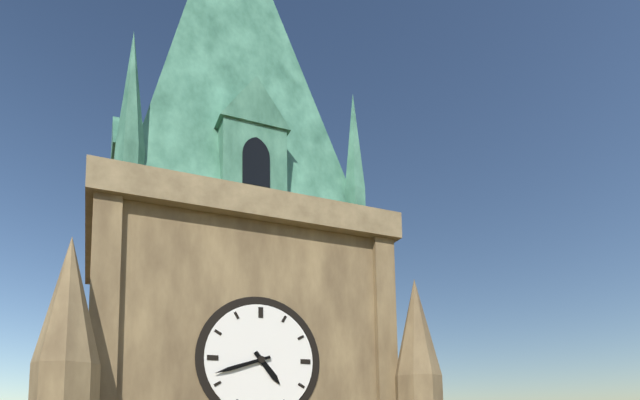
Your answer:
h=4 m=42
